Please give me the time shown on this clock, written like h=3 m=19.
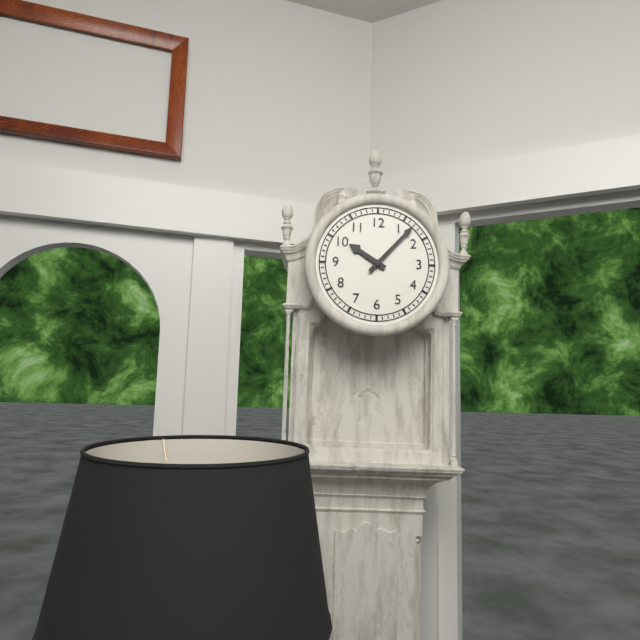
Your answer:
h=10 m=7
